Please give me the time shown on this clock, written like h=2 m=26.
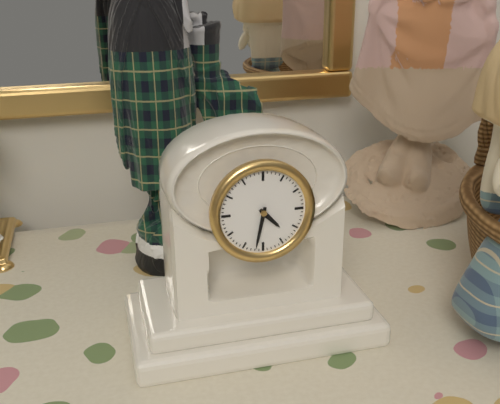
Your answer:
h=4 m=32
